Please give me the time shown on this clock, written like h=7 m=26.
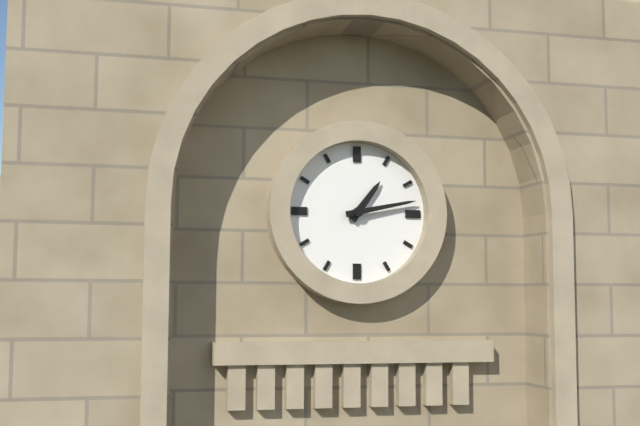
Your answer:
h=1 m=13
